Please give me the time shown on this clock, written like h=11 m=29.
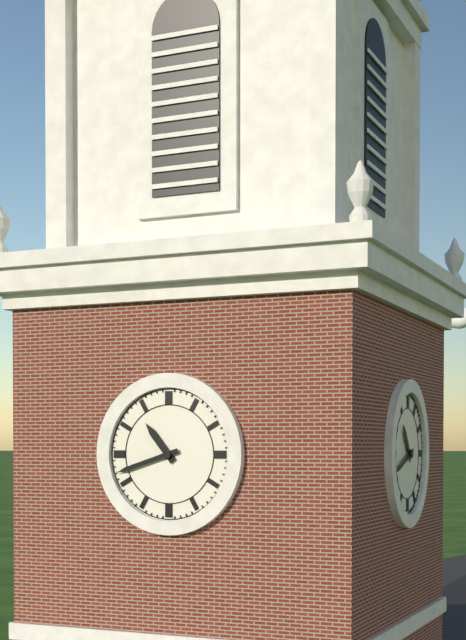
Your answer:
h=10 m=42
